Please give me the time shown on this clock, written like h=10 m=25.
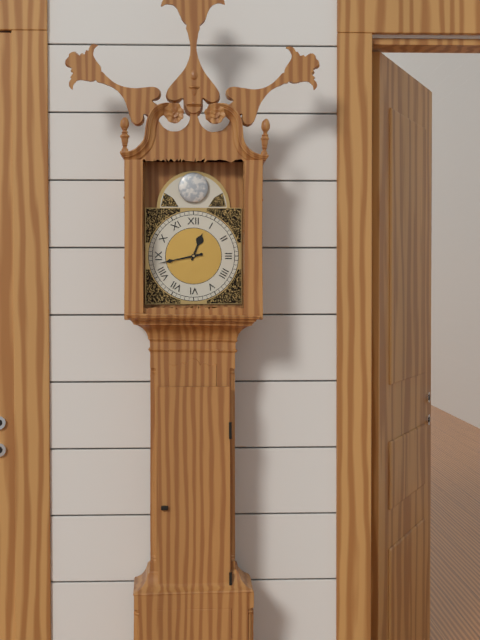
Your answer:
h=12 m=43
